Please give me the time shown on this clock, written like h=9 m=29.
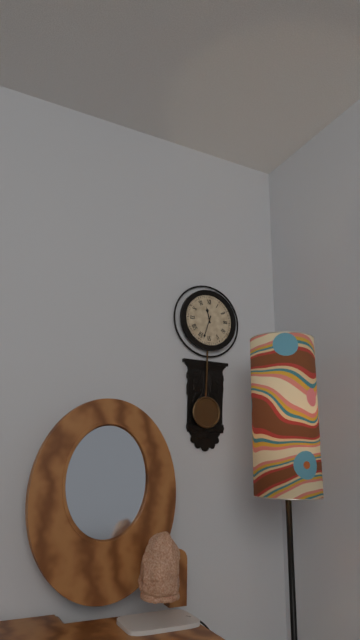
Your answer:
h=11 m=33
